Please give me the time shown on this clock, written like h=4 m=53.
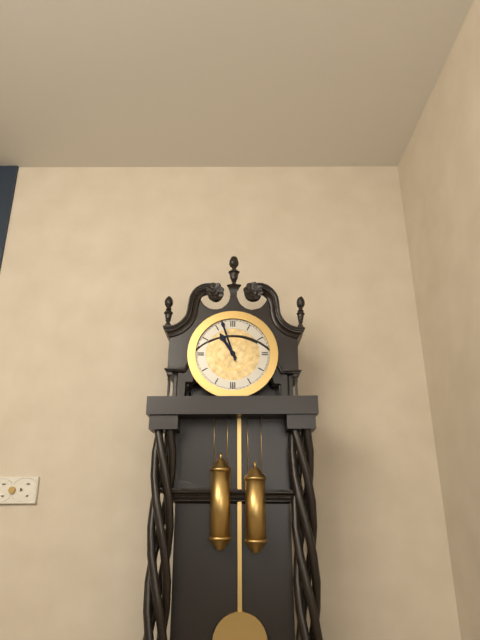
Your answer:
h=10 m=57
